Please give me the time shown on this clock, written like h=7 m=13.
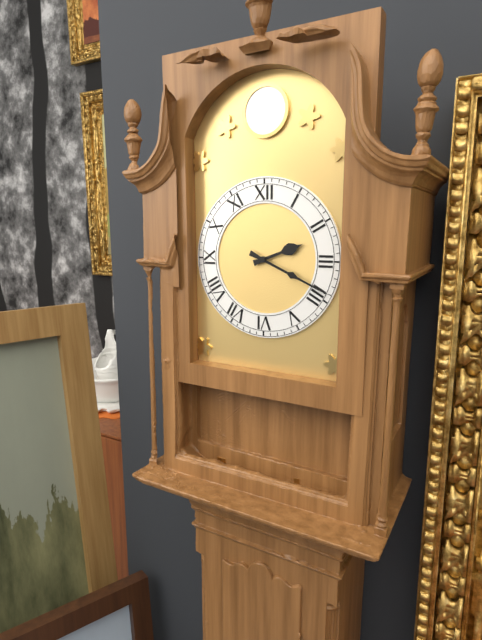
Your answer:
h=2 m=19
